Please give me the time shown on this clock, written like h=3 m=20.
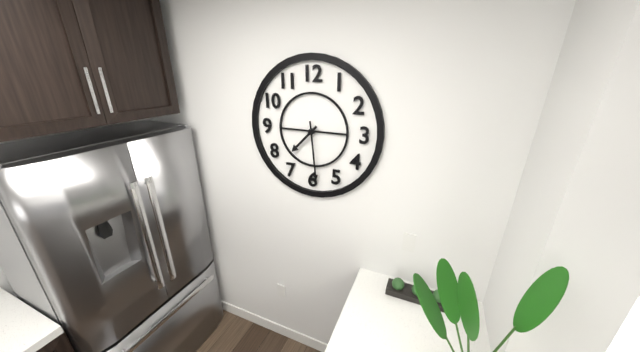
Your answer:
h=7 m=29
